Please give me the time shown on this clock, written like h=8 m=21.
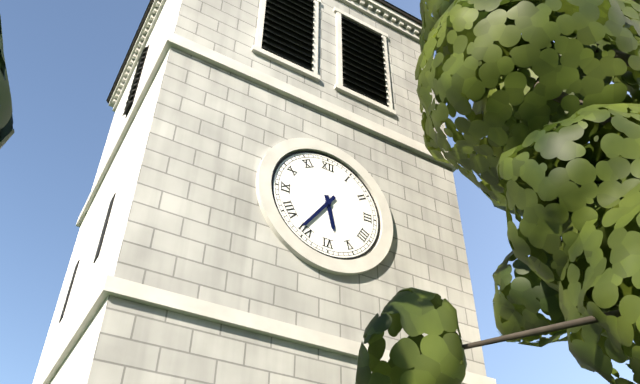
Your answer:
h=5 m=36
